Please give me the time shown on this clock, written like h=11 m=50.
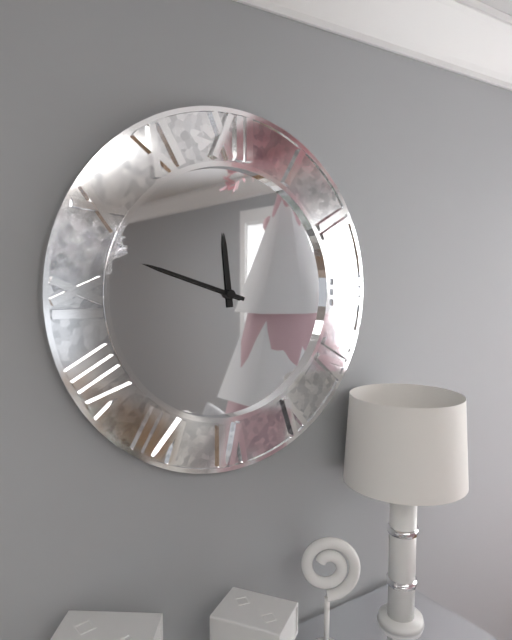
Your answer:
h=11 m=48
